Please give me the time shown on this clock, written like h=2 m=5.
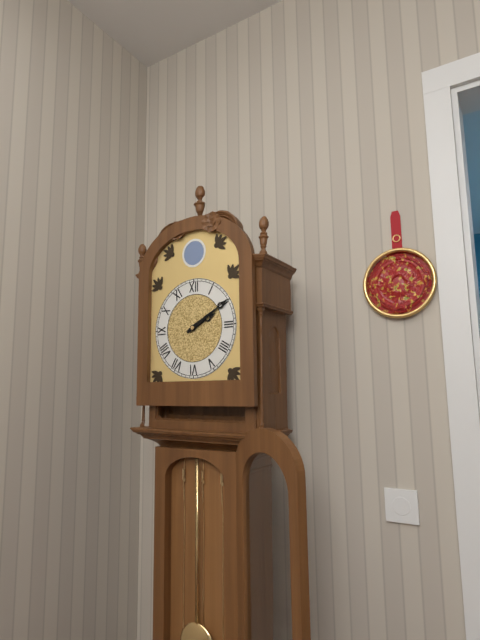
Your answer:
h=2 m=10
